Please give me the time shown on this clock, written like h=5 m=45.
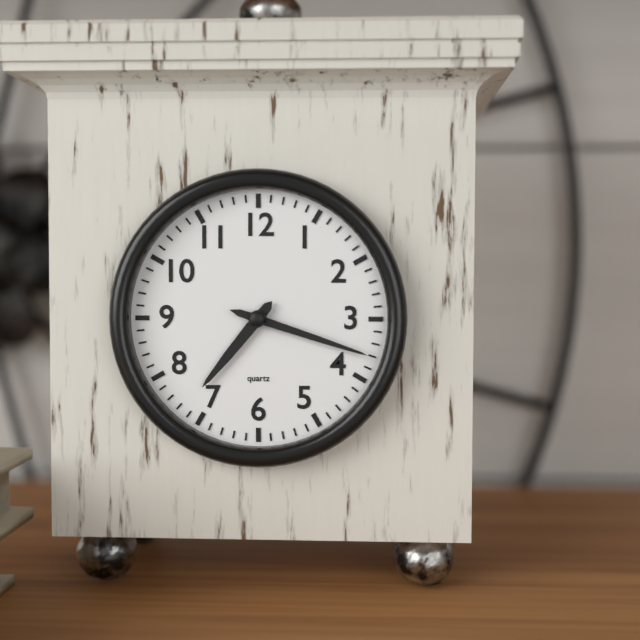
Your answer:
h=7 m=18
